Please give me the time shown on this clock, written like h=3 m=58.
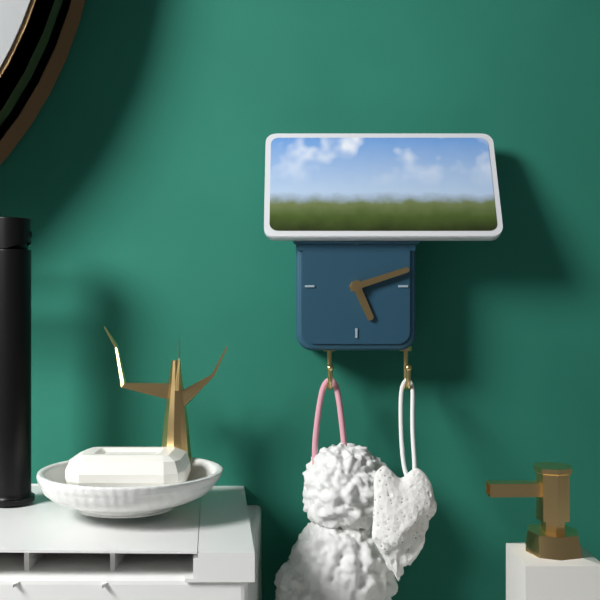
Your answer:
h=5 m=12
